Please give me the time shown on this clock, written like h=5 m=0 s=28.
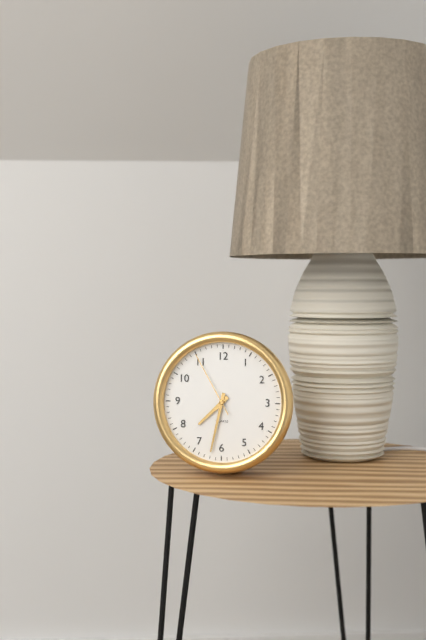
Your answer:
h=7 m=32 s=55
